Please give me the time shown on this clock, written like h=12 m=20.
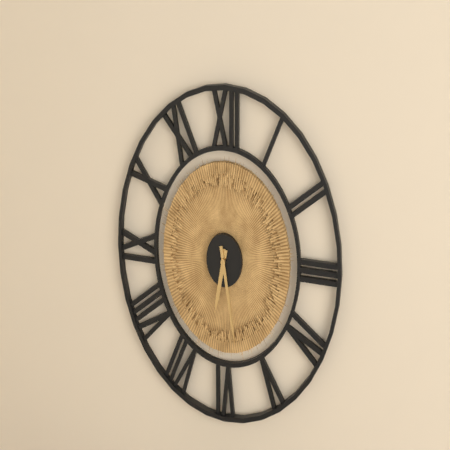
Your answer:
h=6 m=28
